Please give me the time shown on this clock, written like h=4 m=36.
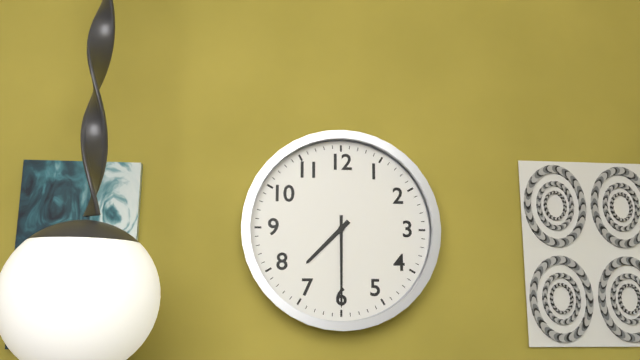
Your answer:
h=7 m=30
